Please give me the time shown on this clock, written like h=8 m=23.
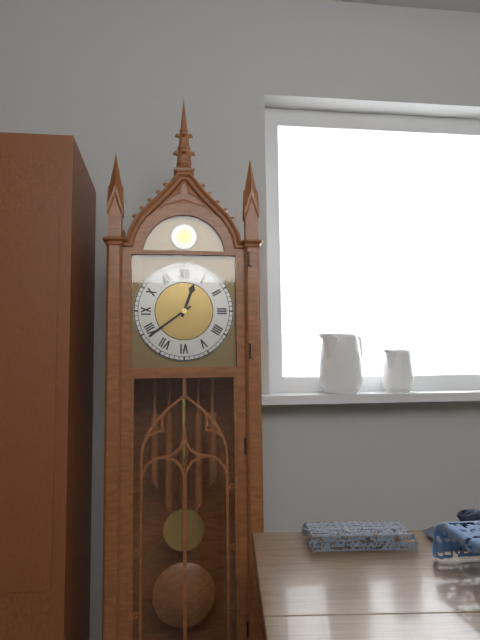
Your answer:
h=12 m=39
